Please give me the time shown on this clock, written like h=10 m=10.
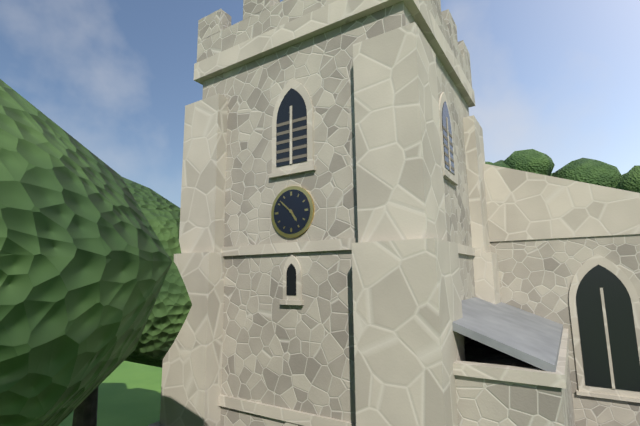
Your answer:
h=4 m=52
